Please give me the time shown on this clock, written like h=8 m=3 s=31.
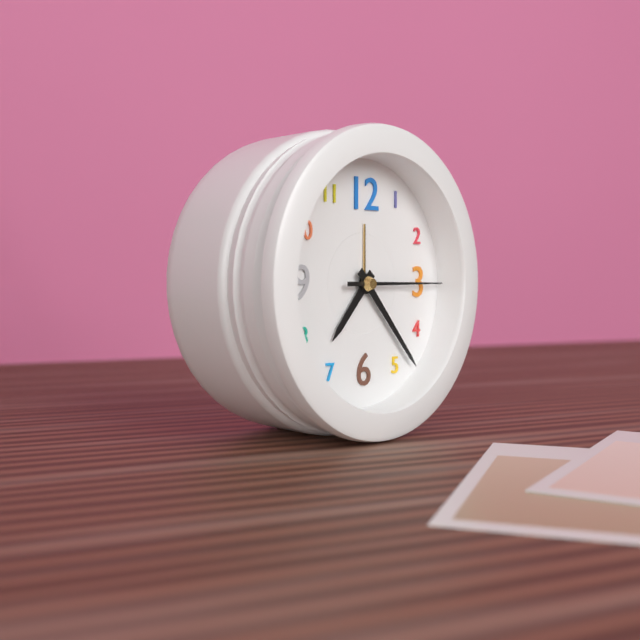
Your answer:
h=7 m=23 s=15
